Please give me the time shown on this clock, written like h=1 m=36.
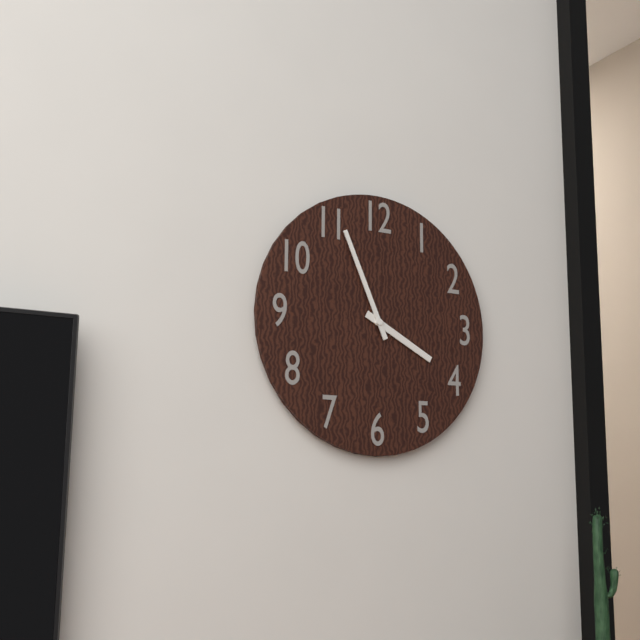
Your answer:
h=3 m=56
